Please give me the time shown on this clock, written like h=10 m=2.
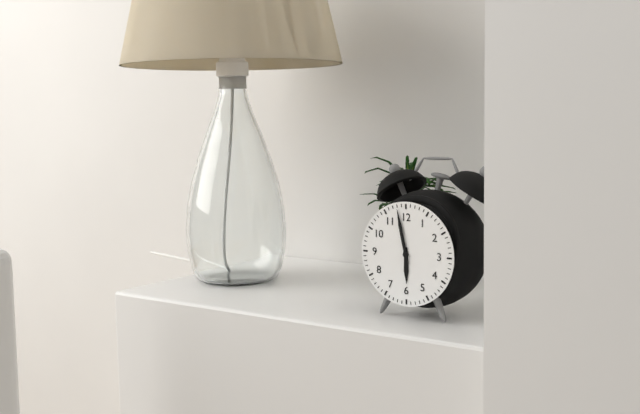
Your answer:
h=5 m=58
